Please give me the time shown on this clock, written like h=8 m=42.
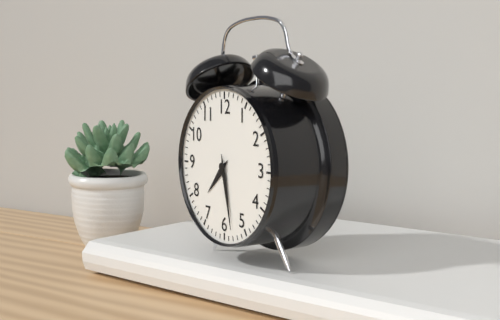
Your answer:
h=7 m=28
